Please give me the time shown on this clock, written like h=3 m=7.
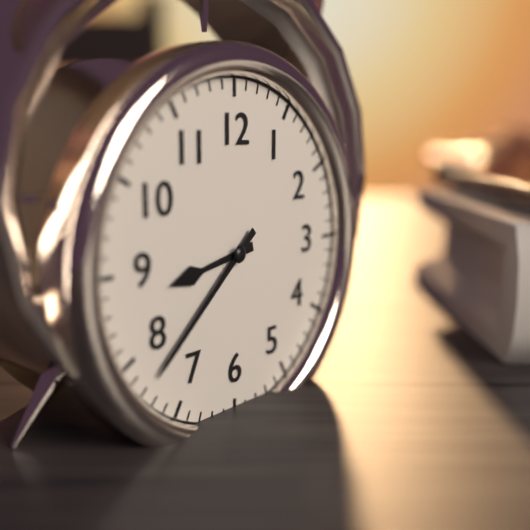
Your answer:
h=8 m=38
